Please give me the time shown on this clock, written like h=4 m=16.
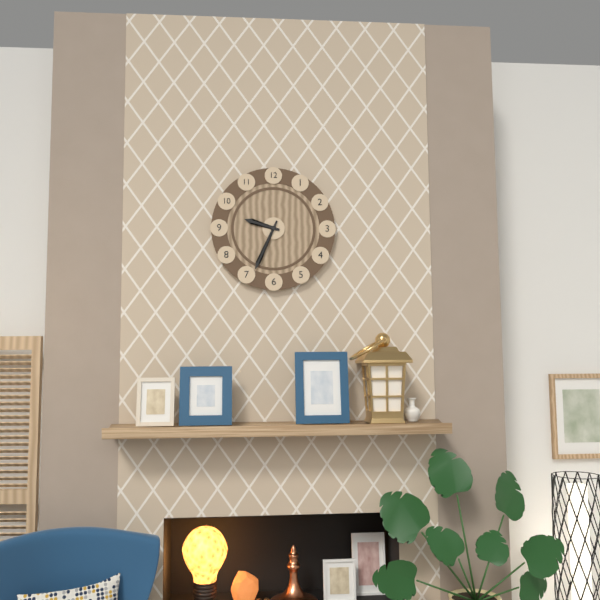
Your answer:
h=9 m=34
